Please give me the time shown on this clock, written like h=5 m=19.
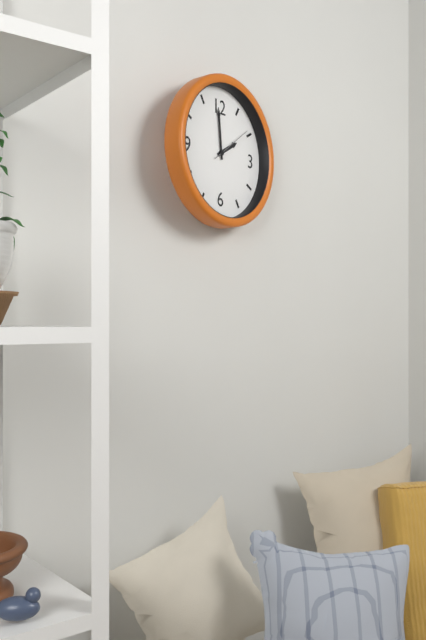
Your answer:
h=1 m=59
